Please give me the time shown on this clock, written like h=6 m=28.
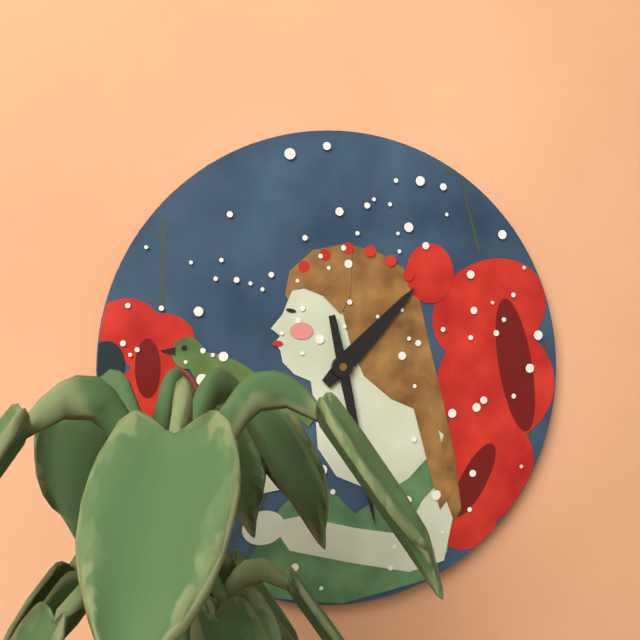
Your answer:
h=1 m=28
